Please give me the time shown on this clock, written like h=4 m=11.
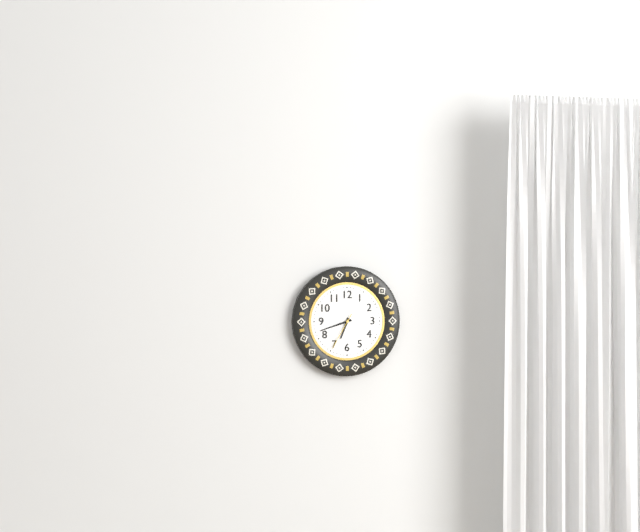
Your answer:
h=6 m=42
